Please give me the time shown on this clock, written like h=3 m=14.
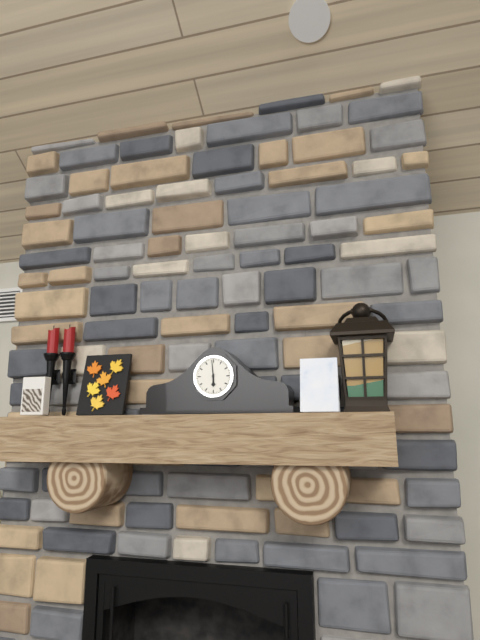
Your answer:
h=5 m=59
